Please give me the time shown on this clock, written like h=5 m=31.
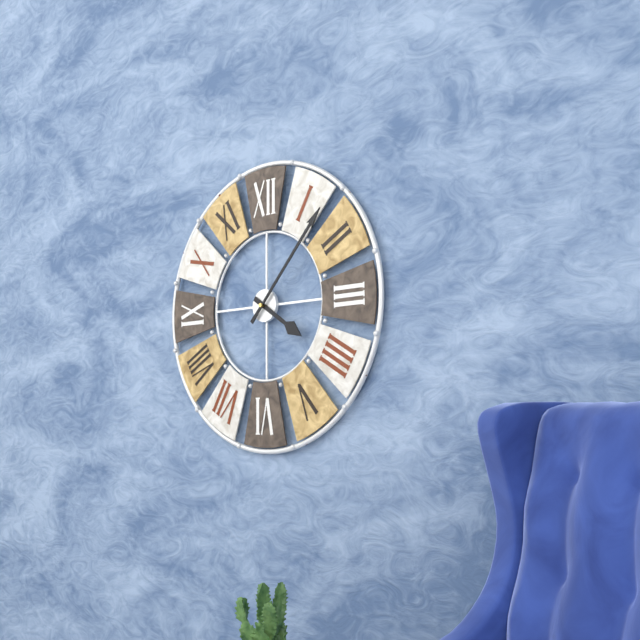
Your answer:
h=4 m=7
